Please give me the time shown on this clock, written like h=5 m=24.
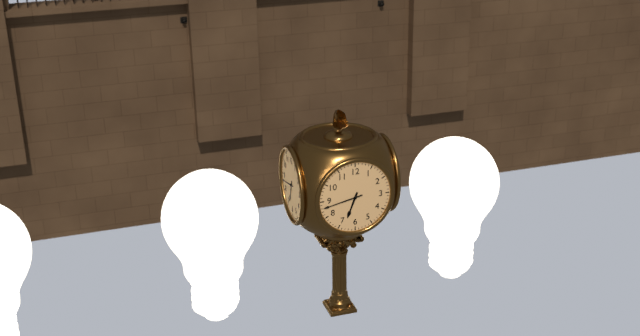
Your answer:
h=6 m=43
